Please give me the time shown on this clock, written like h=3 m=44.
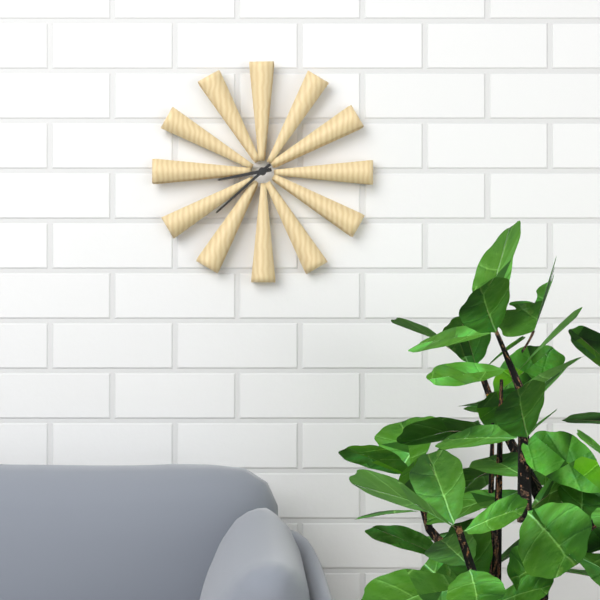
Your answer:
h=8 m=38
